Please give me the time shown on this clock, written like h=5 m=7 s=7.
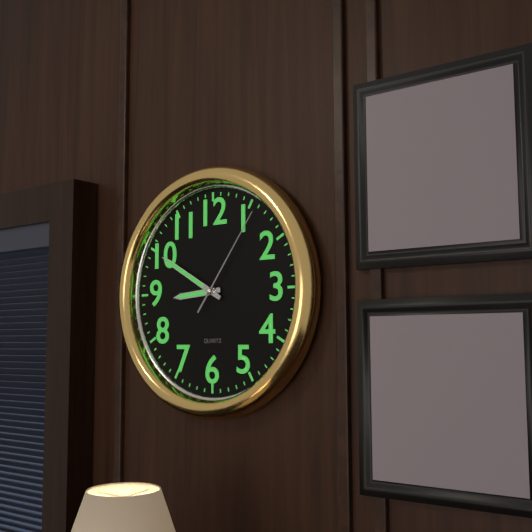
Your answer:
h=8 m=50 s=6
